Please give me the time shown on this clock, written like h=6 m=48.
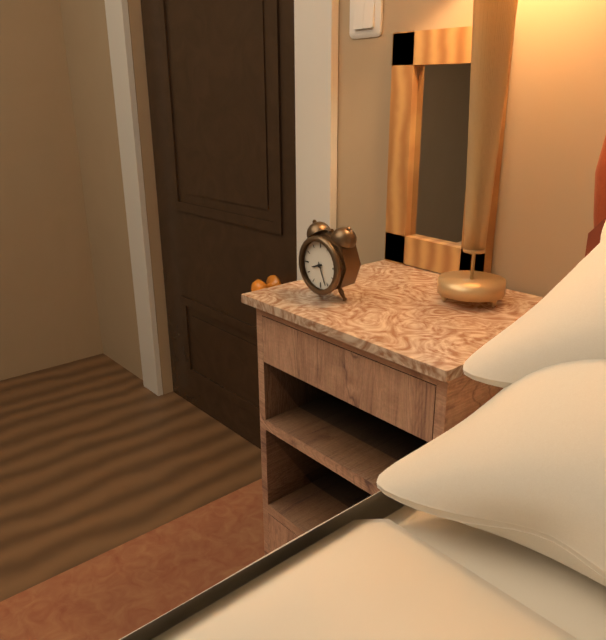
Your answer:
h=8 m=26
